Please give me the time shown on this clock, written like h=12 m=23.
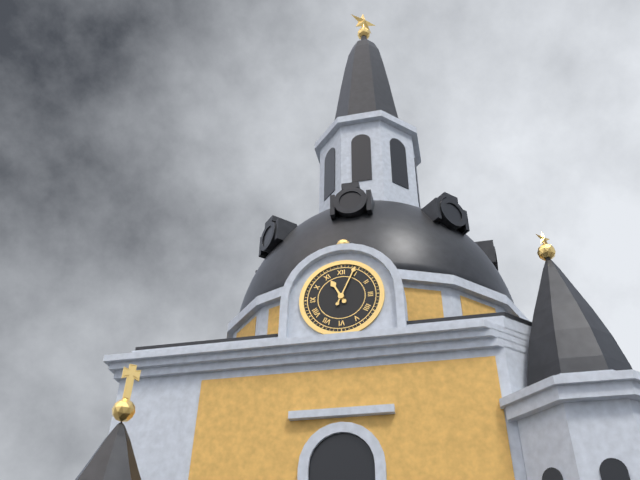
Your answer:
h=11 m=4
